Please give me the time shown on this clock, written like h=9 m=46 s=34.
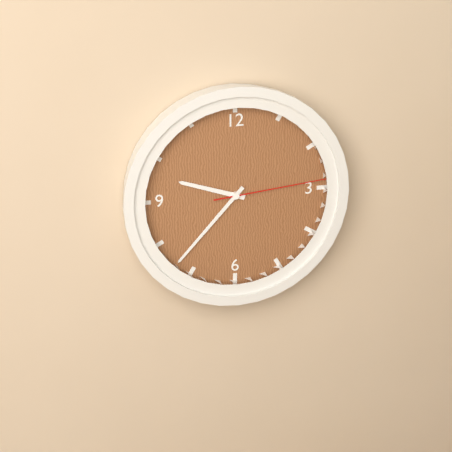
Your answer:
h=9 m=37 s=14
